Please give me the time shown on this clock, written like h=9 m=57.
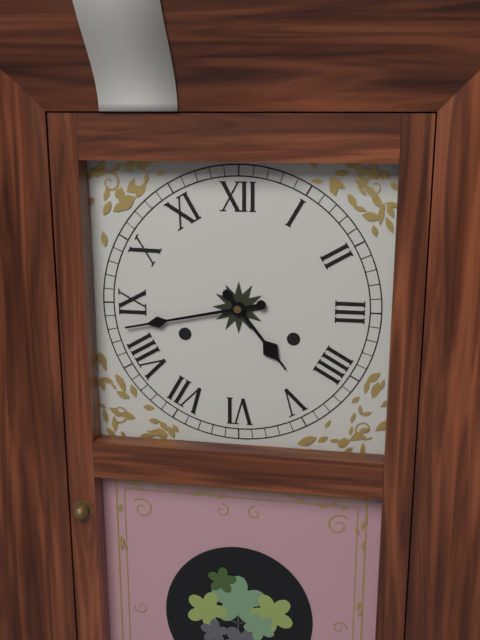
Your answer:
h=4 m=43
